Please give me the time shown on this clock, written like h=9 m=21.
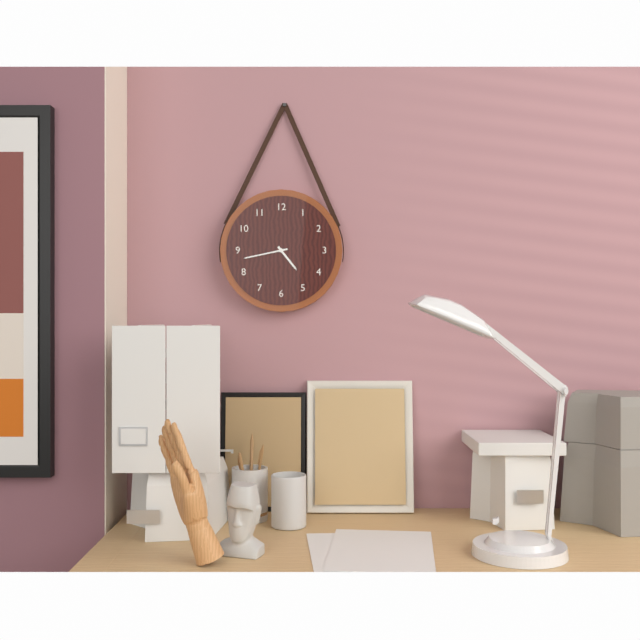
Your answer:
h=4 m=43
